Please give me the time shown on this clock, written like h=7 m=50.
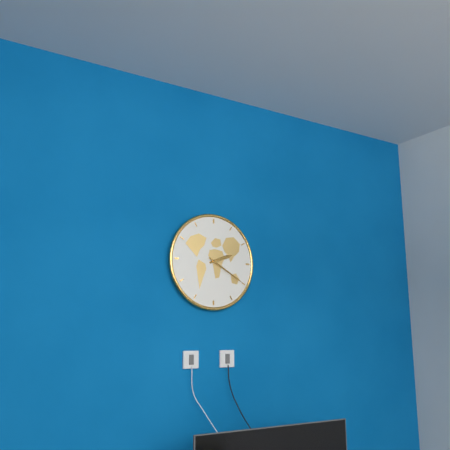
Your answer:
h=2 m=20
